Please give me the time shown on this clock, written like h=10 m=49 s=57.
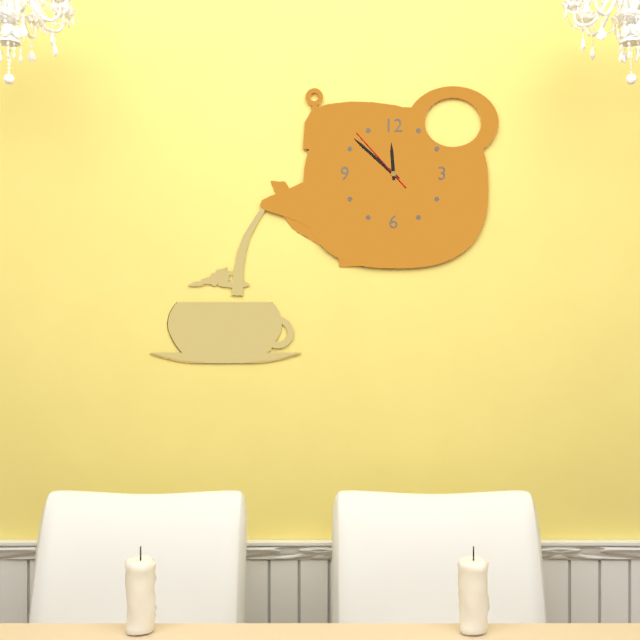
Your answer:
h=11 m=52 s=53
